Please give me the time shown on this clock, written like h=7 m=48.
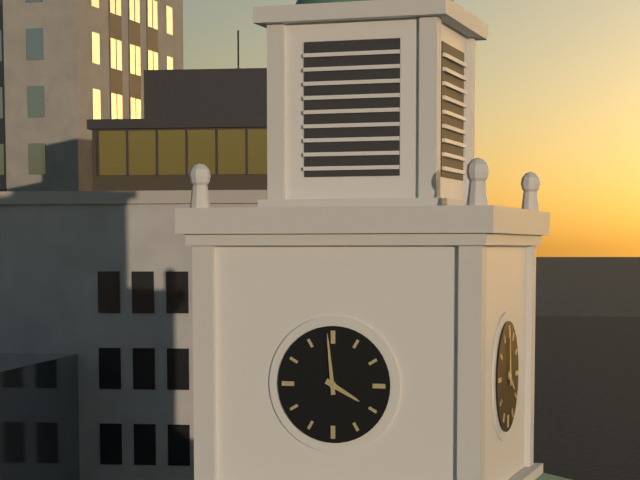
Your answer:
h=3 m=59
